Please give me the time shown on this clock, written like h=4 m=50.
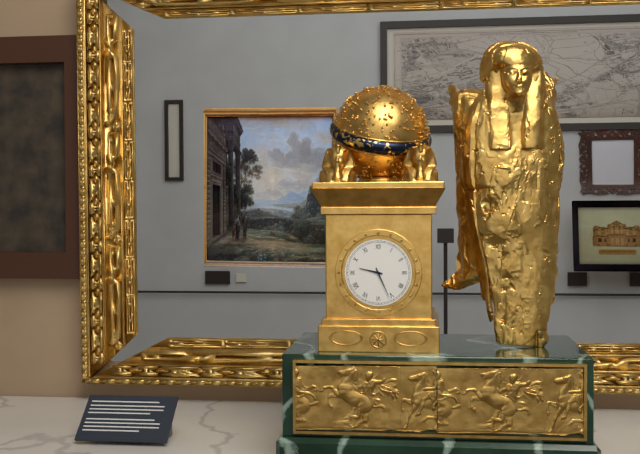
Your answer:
h=9 m=26
